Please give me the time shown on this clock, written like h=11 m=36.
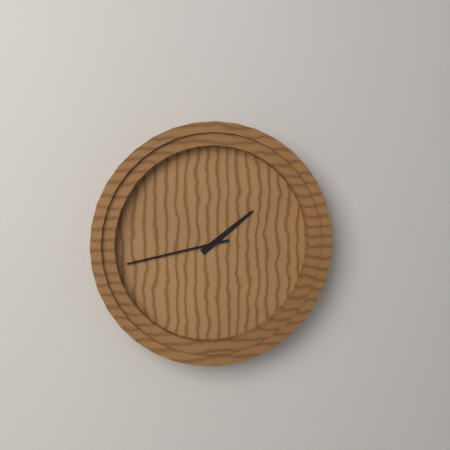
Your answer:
h=1 m=43
